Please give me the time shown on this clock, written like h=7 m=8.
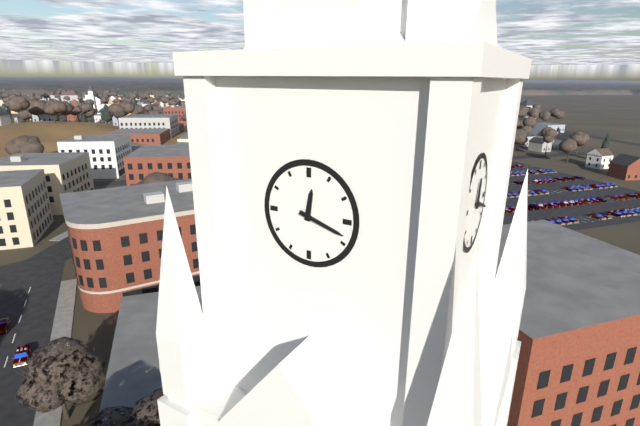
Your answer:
h=12 m=18
